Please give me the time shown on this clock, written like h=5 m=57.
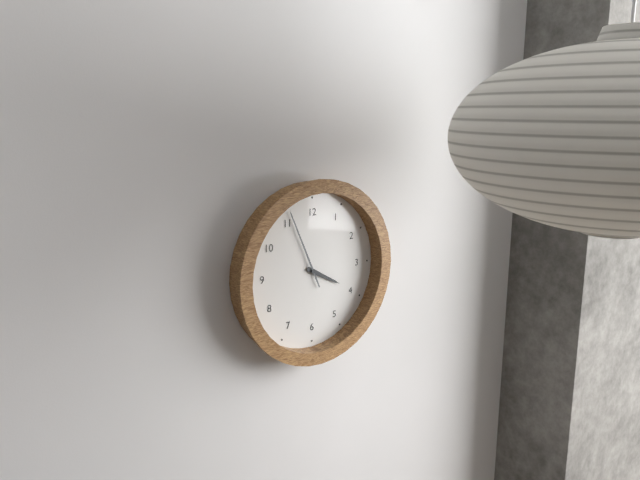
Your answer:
h=3 m=56
